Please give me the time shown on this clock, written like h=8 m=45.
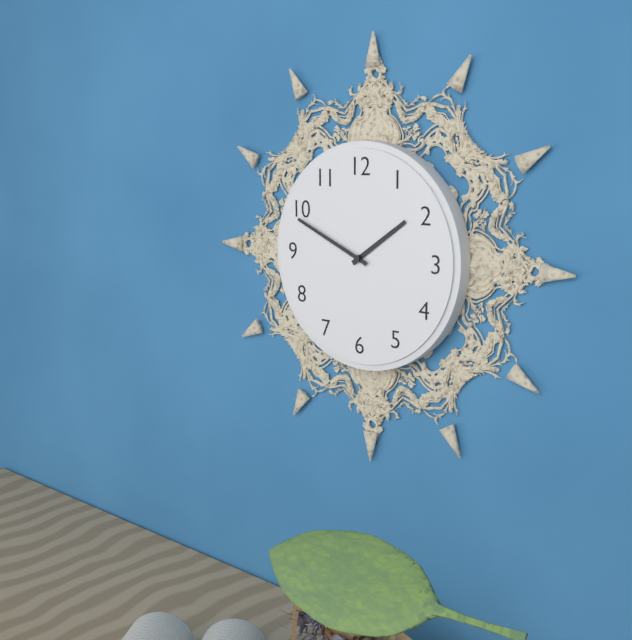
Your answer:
h=1 m=49
